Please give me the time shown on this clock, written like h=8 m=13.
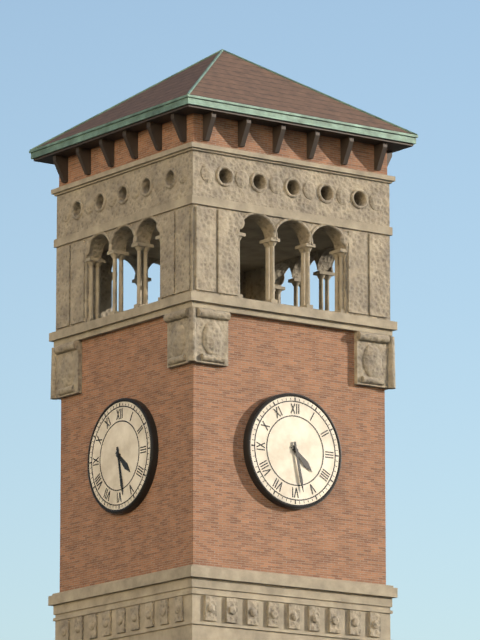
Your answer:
h=4 m=28
